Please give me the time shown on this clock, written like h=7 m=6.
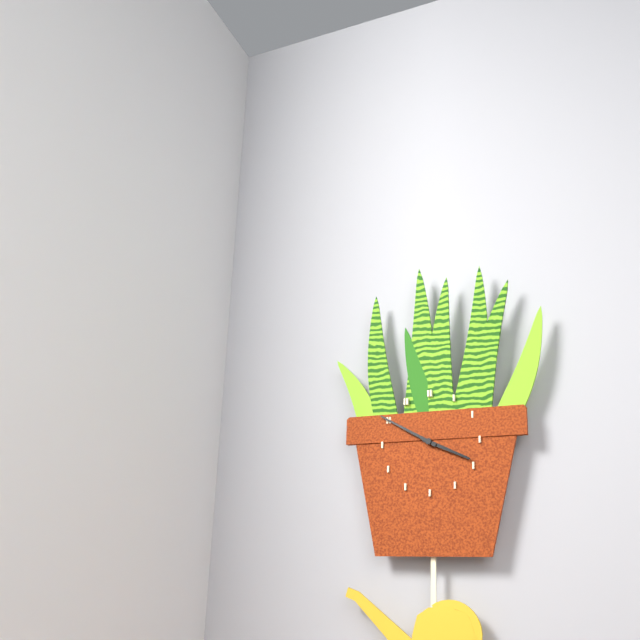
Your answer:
h=3 m=50
